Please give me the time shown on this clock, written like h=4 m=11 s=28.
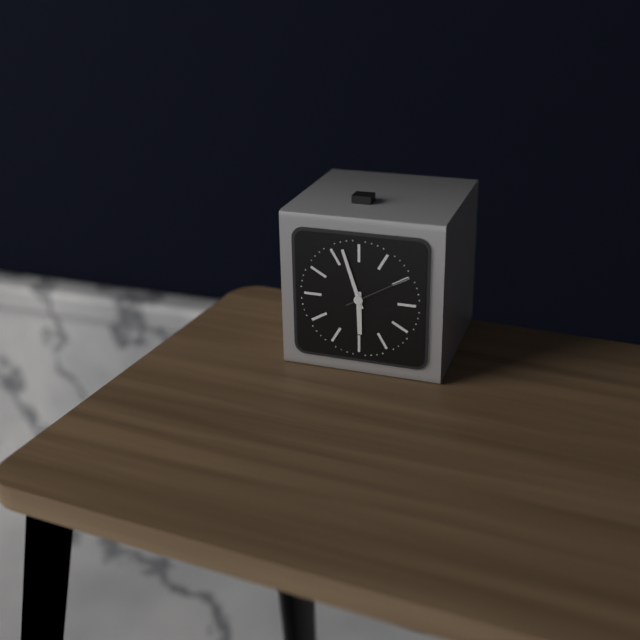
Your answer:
h=5 m=57 s=10
